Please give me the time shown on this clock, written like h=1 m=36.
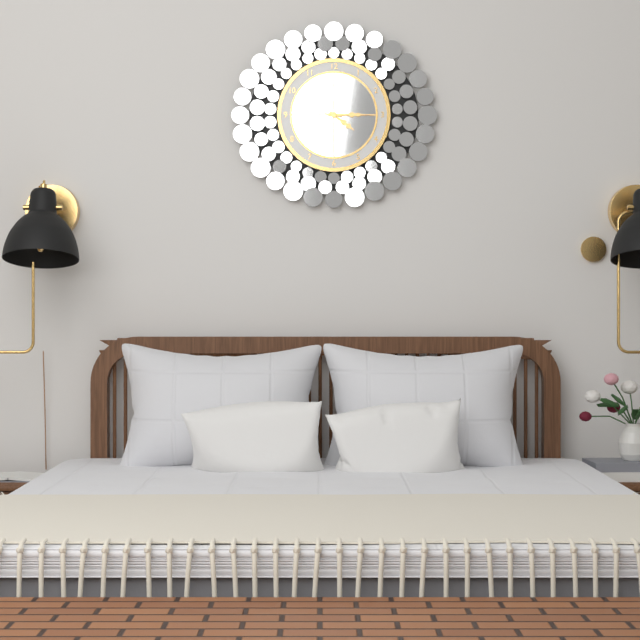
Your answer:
h=4 m=15
